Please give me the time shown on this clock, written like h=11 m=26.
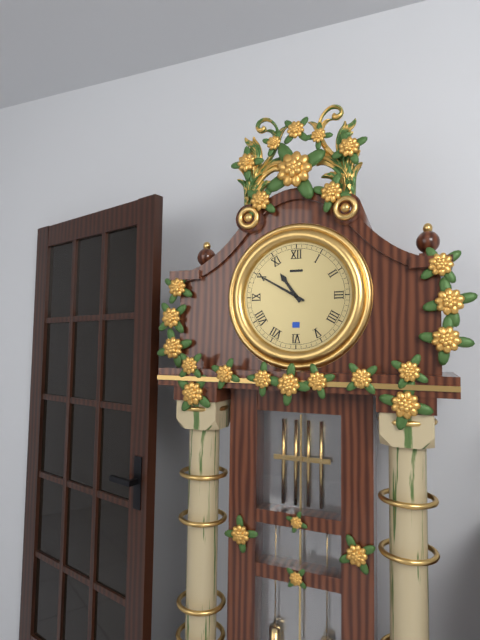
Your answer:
h=10 m=50
